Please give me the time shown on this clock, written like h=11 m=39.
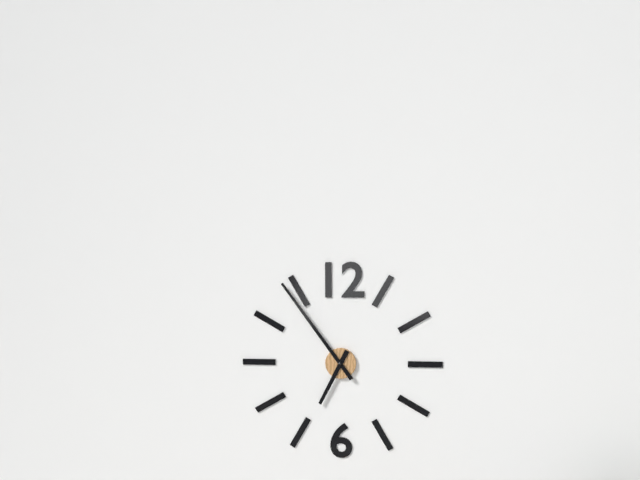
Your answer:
h=6 m=54
